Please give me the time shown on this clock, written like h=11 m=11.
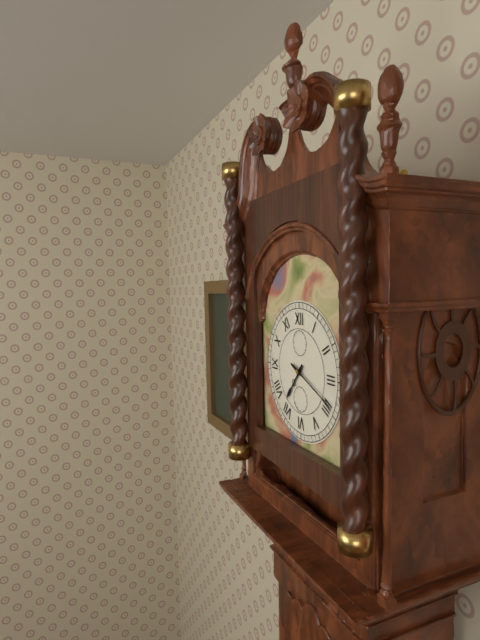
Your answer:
h=7 m=19
